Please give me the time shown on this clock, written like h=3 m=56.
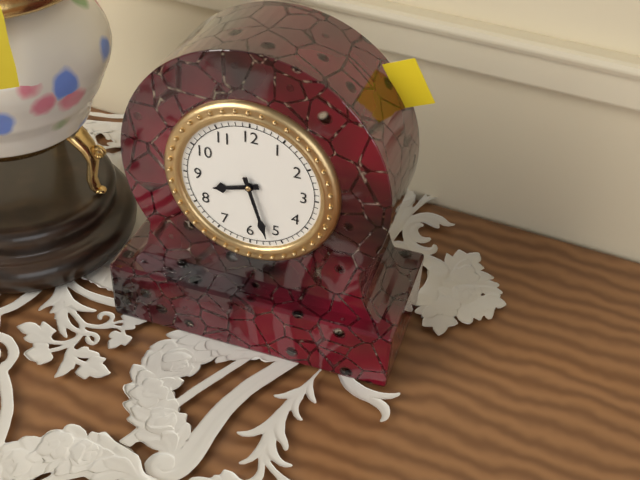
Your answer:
h=8 m=27
